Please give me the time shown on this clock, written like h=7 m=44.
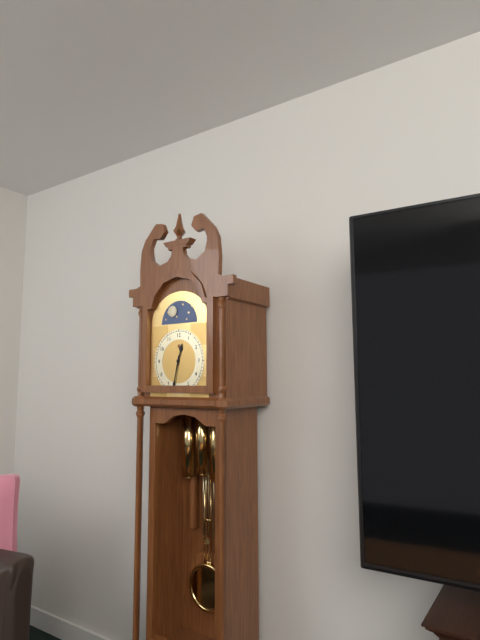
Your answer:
h=12 m=32
